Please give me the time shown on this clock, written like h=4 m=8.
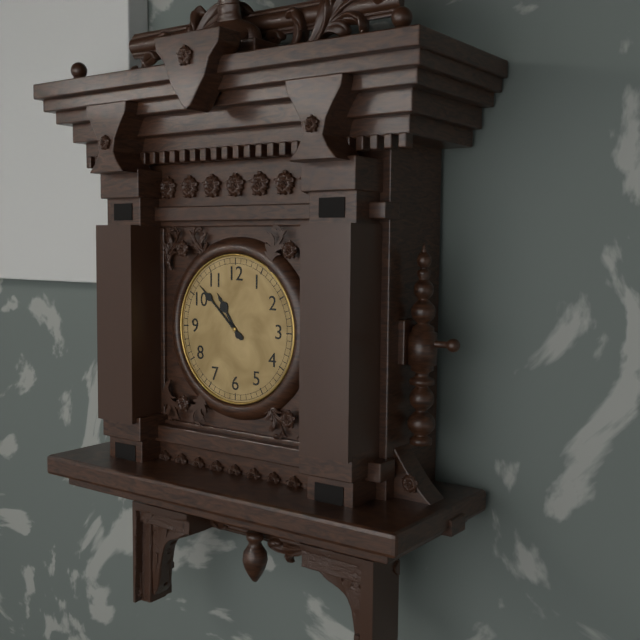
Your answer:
h=10 m=52
